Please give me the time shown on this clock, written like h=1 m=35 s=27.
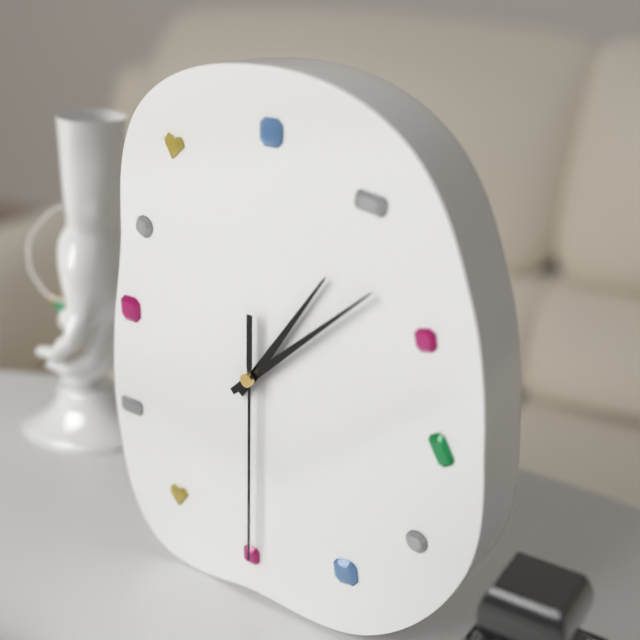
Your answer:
h=1 m=8 s=30
